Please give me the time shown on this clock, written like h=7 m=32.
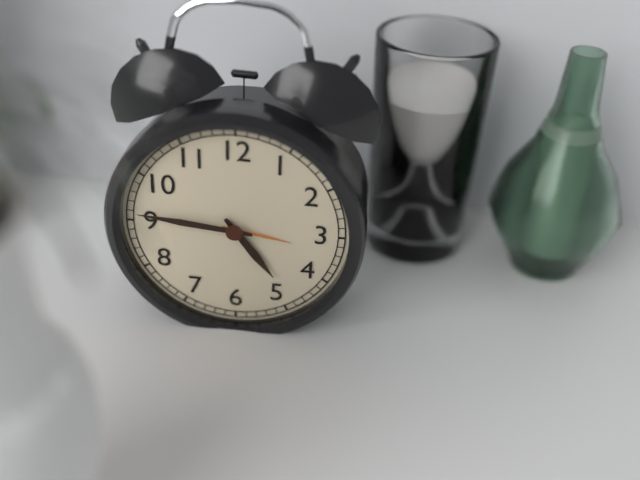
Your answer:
h=4 m=46
